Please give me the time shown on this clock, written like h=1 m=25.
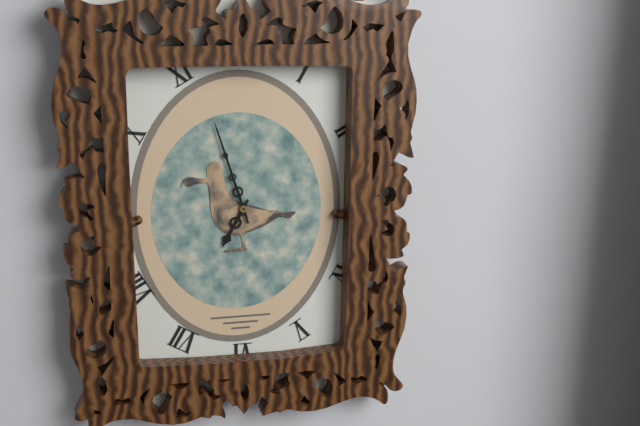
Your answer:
h=6 m=57
